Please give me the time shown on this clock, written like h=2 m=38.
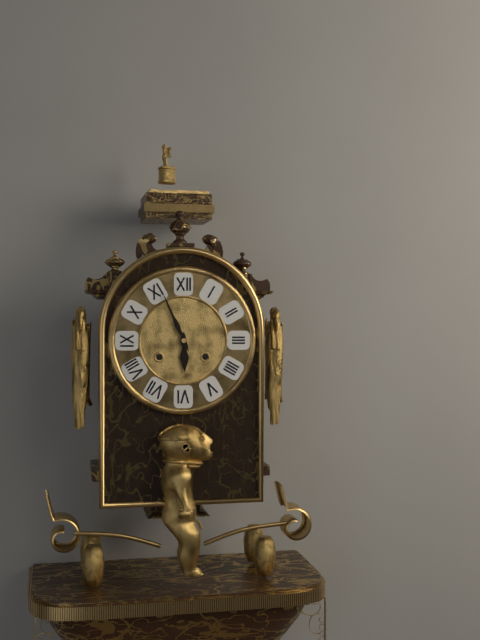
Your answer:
h=5 m=56
